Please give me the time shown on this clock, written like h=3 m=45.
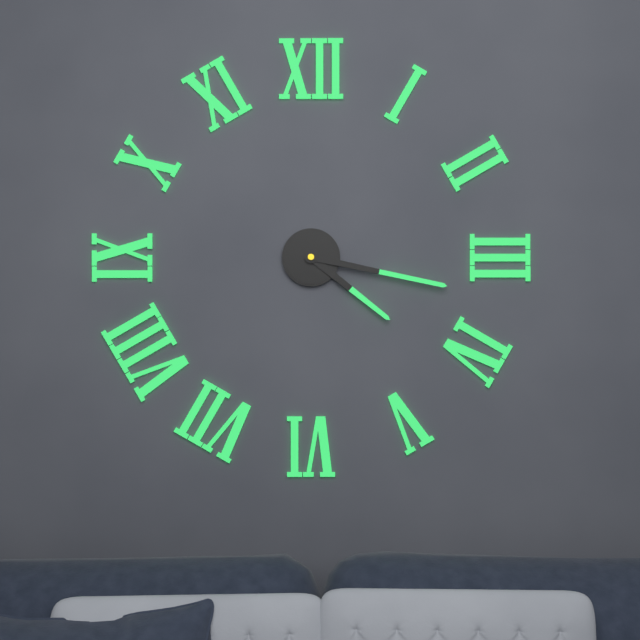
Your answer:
h=4 m=17
